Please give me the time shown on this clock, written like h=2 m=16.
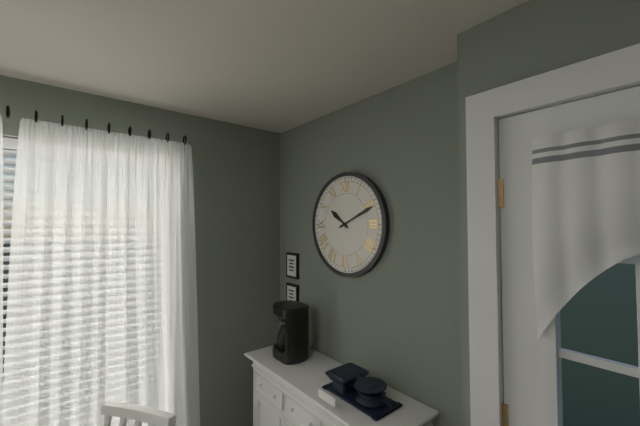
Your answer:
h=10 m=11
